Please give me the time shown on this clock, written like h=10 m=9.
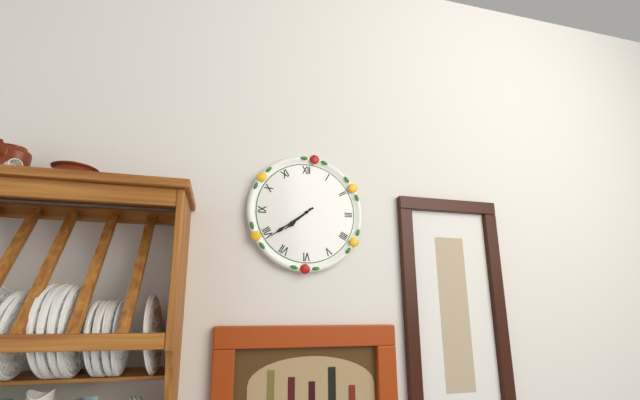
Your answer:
h=7 m=39
